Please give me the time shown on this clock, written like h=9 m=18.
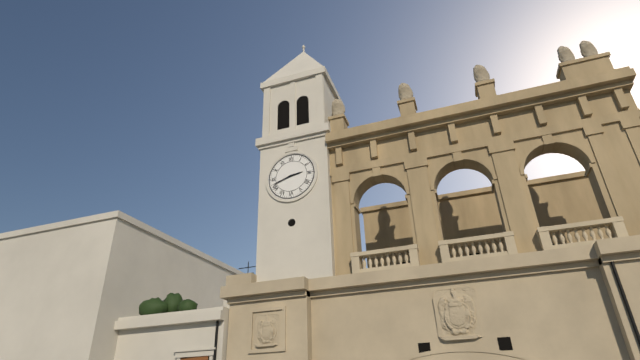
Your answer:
h=2 m=42
